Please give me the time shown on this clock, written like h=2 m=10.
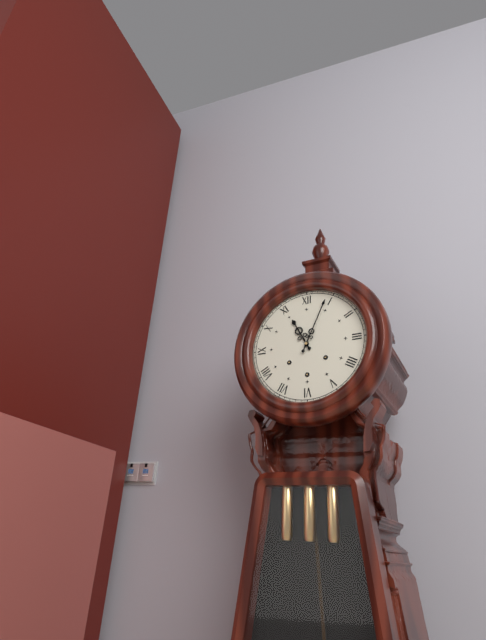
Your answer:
h=11 m=4
